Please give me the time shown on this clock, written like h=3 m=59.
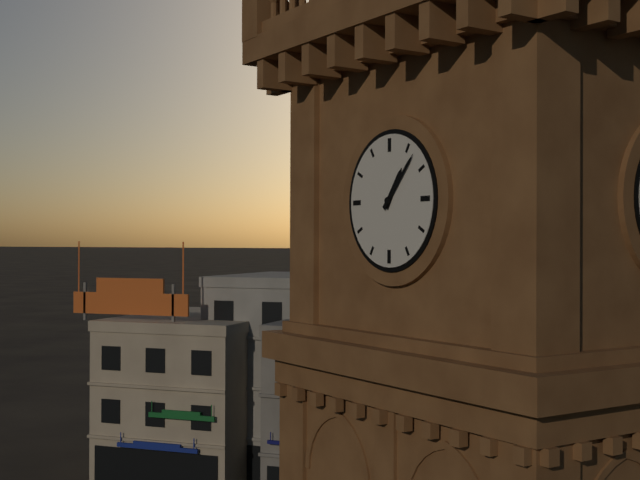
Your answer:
h=1 m=7
